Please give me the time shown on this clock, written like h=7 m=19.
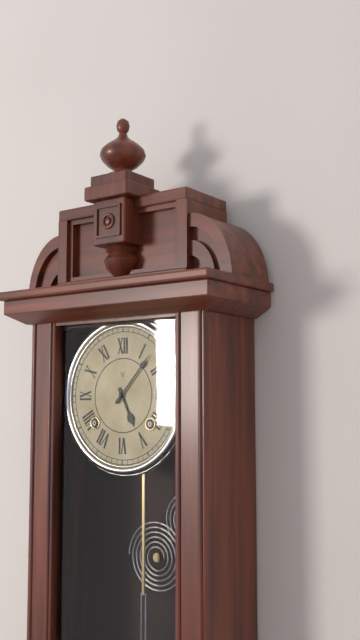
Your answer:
h=5 m=7
